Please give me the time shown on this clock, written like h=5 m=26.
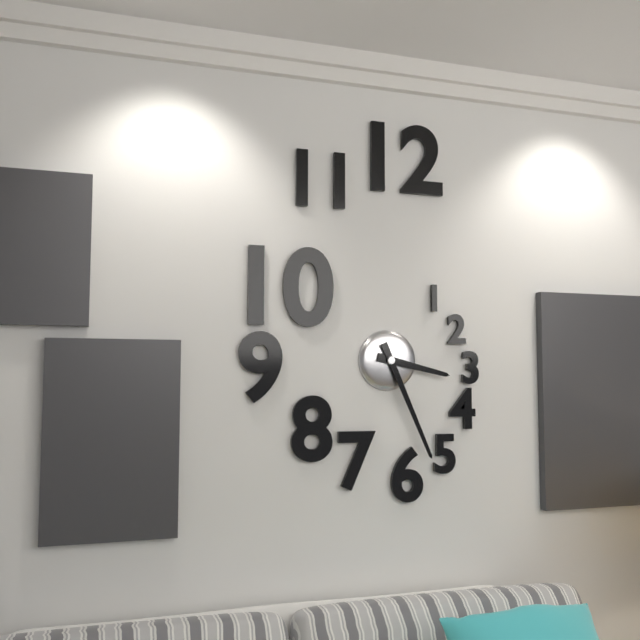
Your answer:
h=3 m=26
